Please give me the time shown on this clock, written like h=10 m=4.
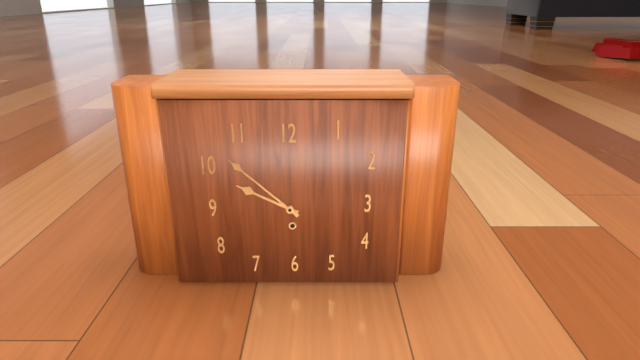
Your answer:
h=9 m=52
